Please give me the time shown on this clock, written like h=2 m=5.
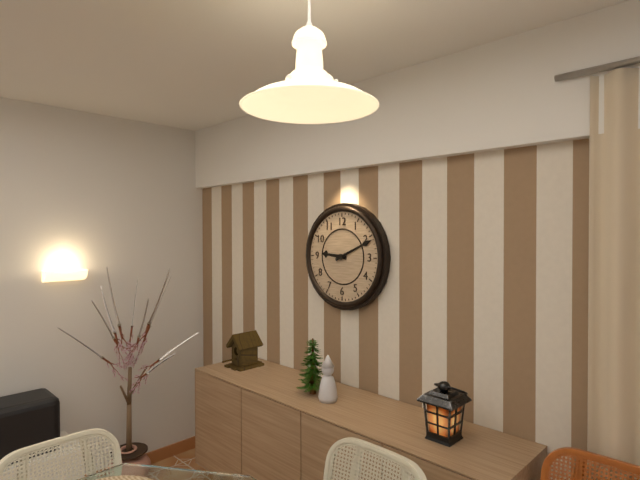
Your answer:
h=9 m=11
